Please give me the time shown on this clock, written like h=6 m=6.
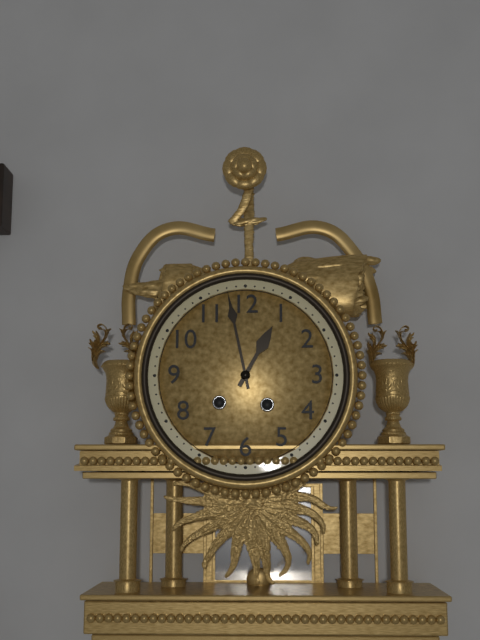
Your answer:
h=12 m=58
